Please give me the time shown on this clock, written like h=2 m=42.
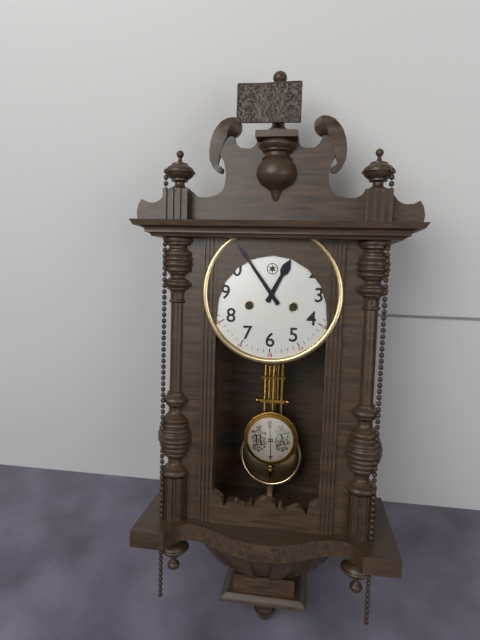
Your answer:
h=12 m=54
